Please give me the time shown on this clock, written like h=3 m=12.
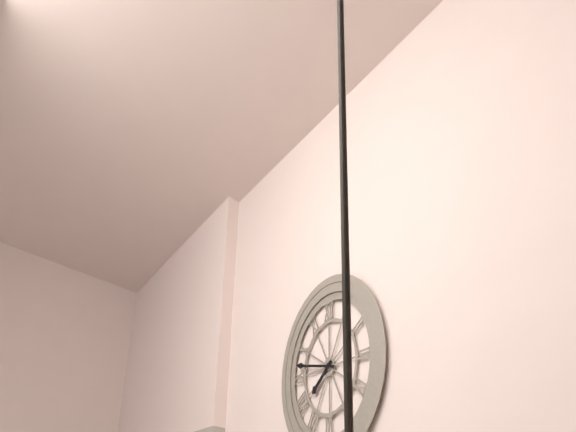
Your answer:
h=7 m=47
